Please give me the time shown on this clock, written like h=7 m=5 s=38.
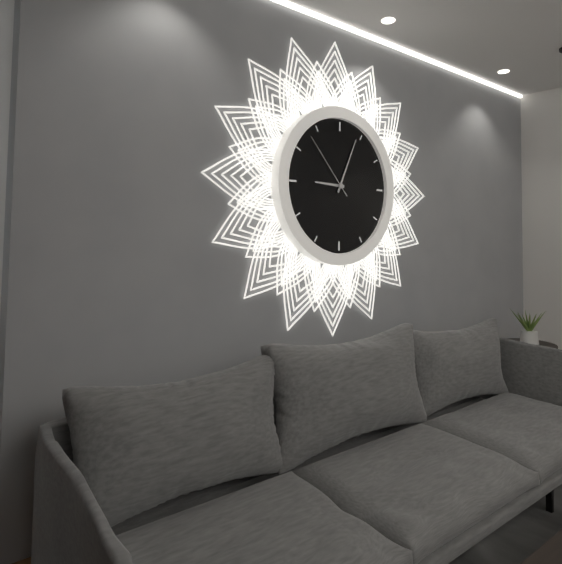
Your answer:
h=9 m=4 s=53
